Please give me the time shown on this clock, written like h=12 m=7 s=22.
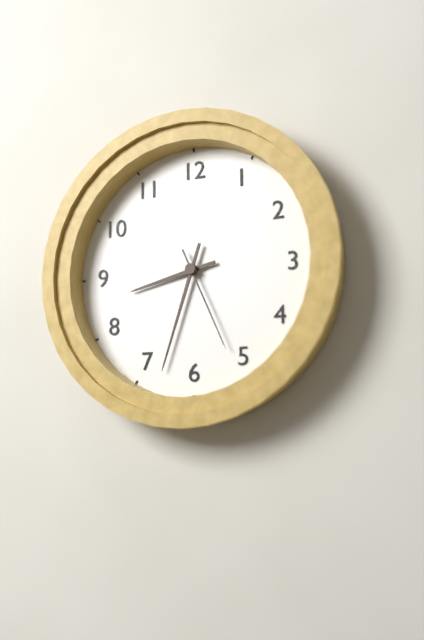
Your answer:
h=8 m=33 s=26
